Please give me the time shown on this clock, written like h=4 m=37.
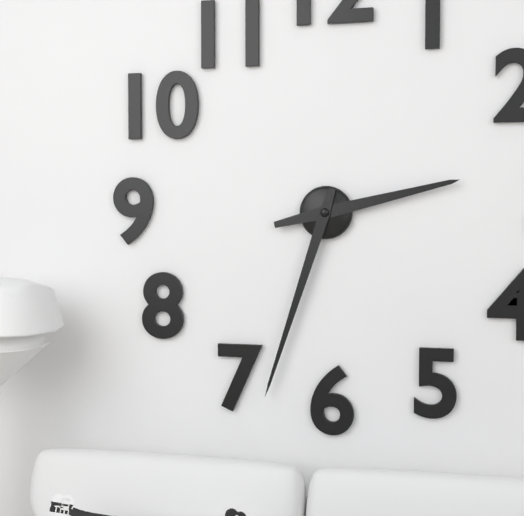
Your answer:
h=2 m=33
